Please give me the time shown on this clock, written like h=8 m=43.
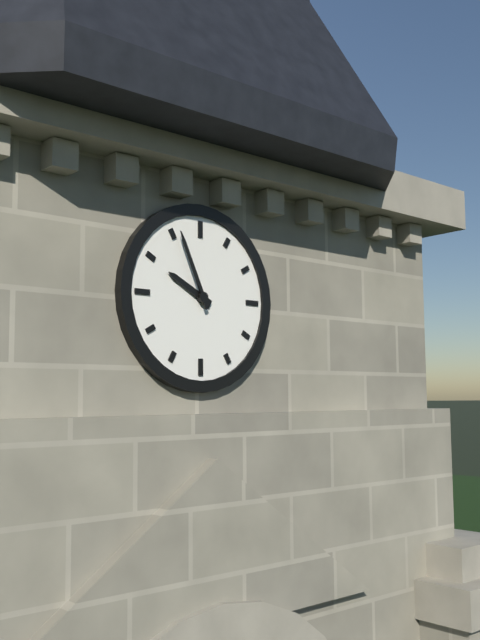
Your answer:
h=9 m=56
